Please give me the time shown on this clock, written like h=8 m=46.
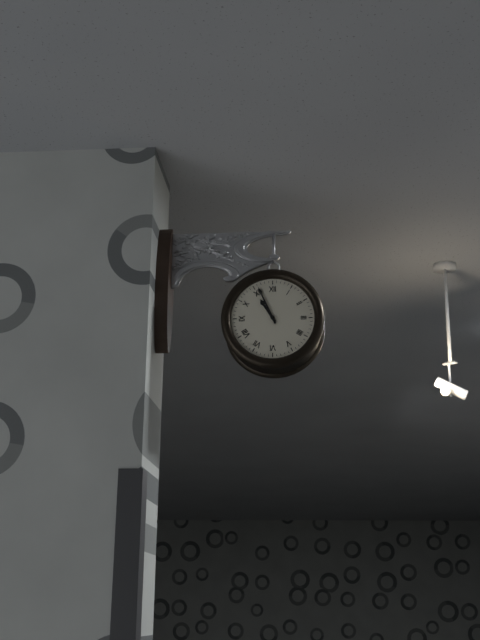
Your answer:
h=10 m=56
